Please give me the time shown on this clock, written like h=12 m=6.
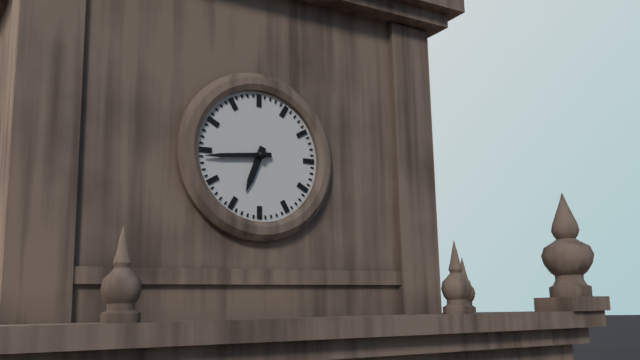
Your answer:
h=6 m=44
